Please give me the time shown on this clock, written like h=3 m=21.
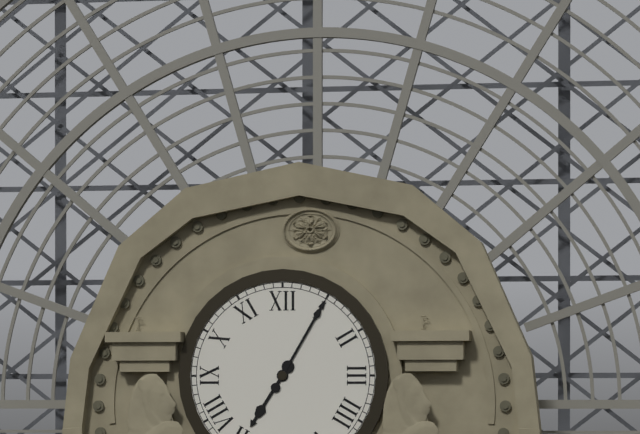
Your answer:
h=7 m=5
